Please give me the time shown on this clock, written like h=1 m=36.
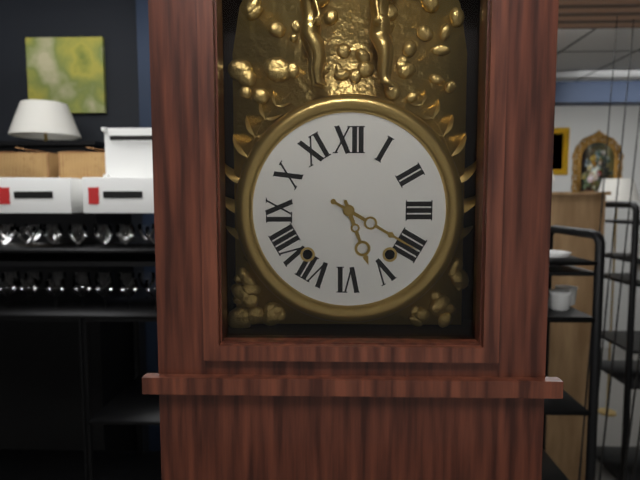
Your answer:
h=5 m=20
